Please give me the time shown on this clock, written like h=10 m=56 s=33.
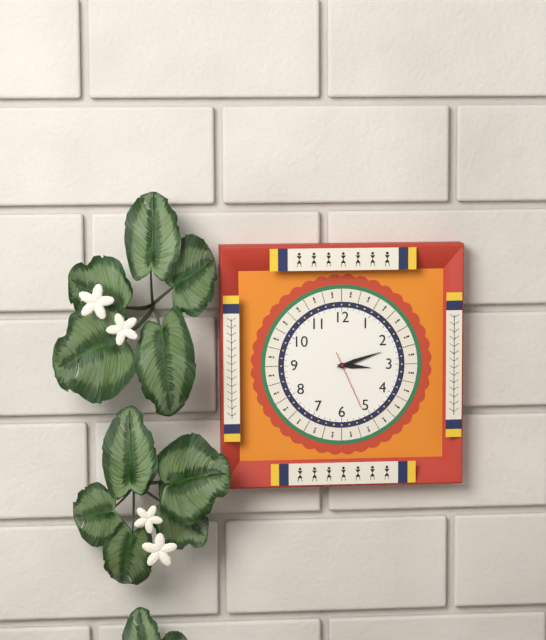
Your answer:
h=3 m=12 s=26
